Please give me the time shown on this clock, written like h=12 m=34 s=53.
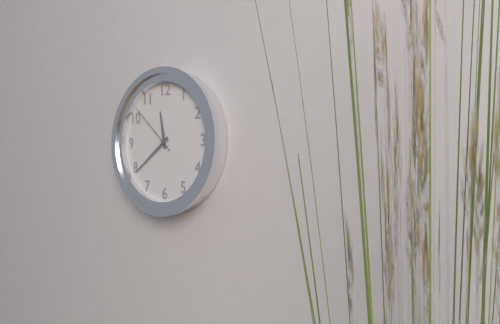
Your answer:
h=11 m=39 s=52
